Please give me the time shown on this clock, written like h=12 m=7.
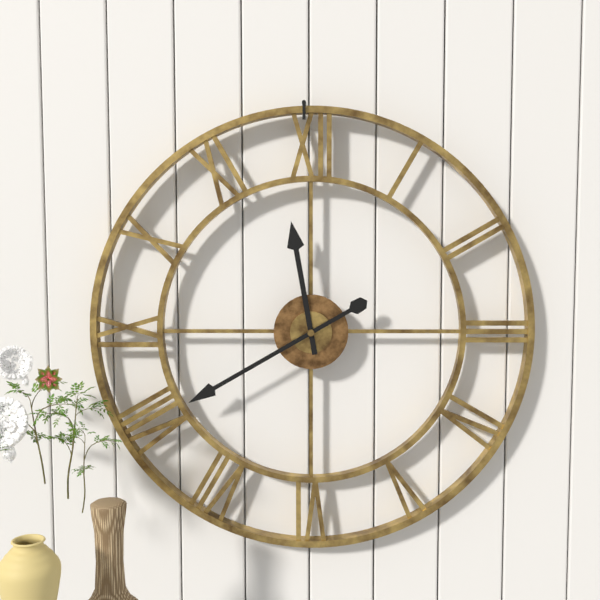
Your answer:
h=11 m=40
